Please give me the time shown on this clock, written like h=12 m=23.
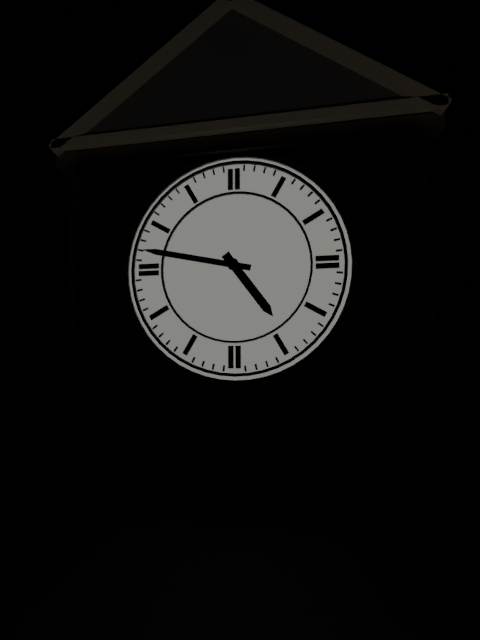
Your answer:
h=4 m=47
